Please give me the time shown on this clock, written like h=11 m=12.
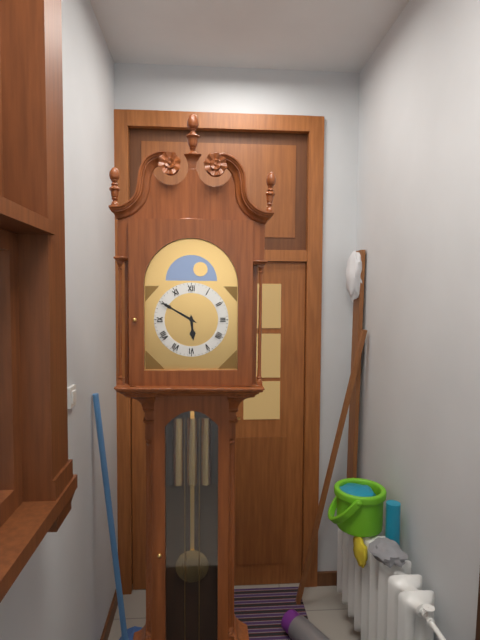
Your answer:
h=5 m=50
